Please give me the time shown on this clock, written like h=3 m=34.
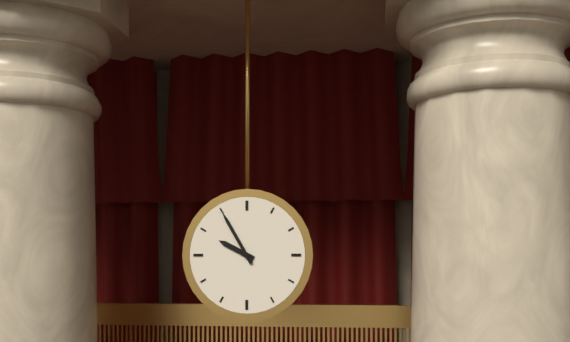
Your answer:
h=9 m=55
